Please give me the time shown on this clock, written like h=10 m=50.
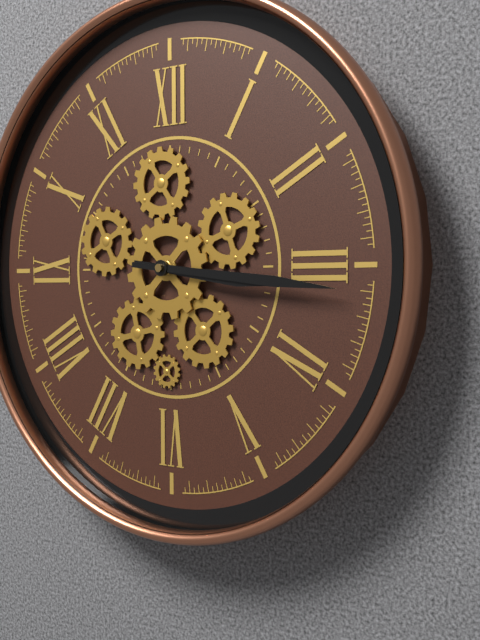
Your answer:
h=3 m=16
